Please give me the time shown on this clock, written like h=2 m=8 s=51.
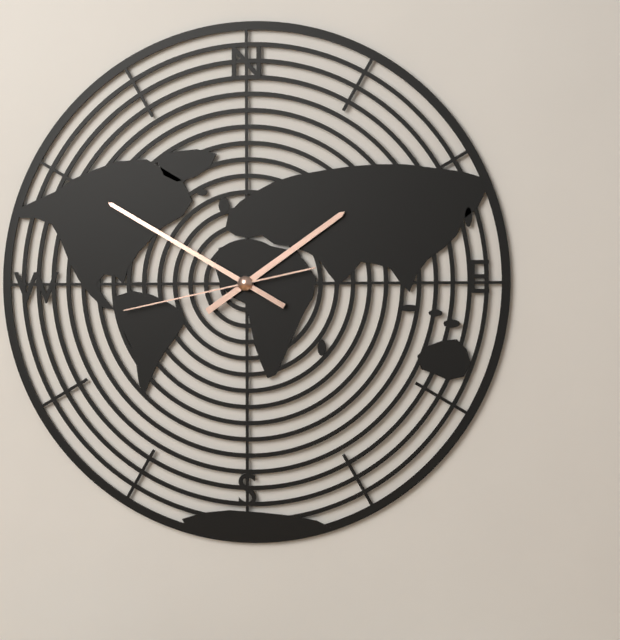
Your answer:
h=1 m=50 s=43
